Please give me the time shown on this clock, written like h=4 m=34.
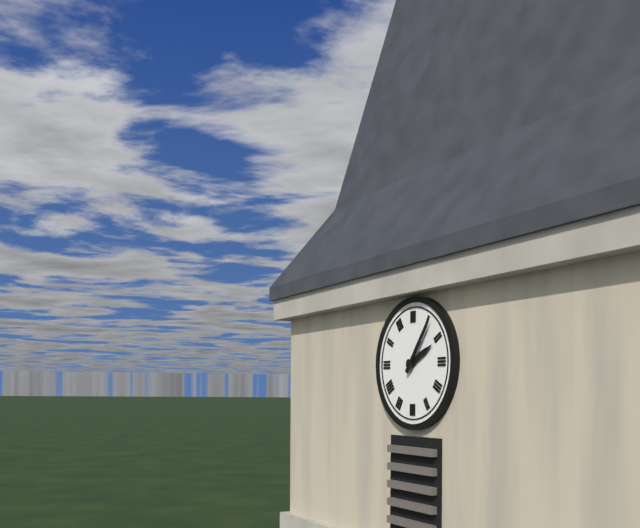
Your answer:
h=2 m=6
